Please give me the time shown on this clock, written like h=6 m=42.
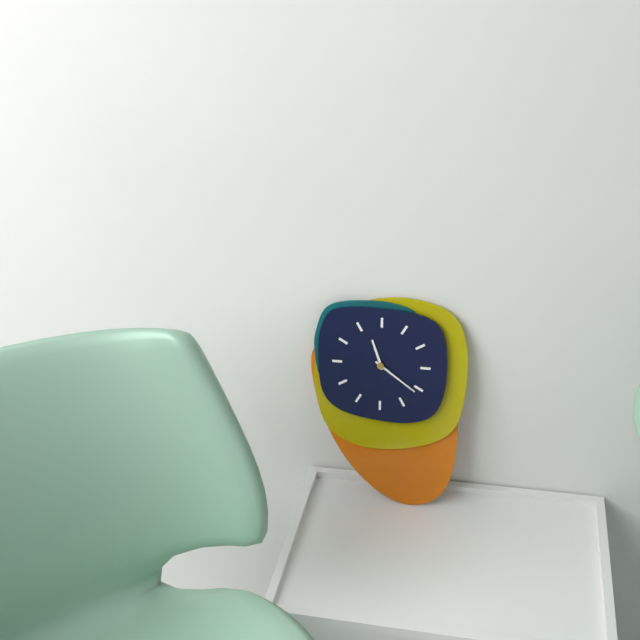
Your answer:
h=11 m=21
